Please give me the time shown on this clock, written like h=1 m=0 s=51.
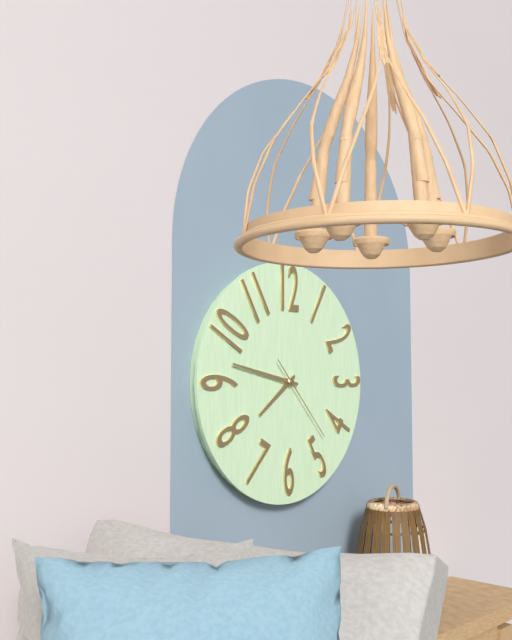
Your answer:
h=7 m=47 s=23
